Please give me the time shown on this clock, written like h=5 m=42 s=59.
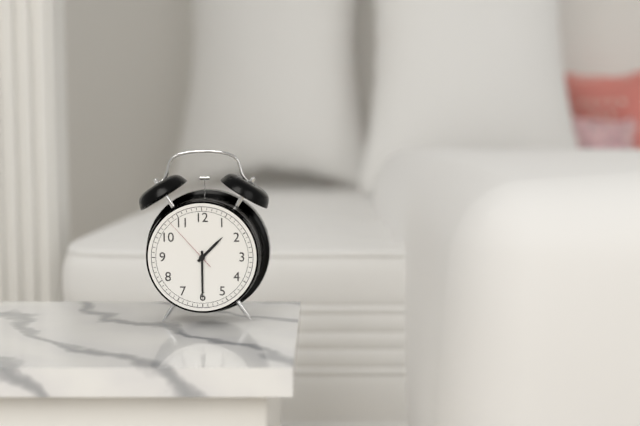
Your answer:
h=1 m=30 s=53
